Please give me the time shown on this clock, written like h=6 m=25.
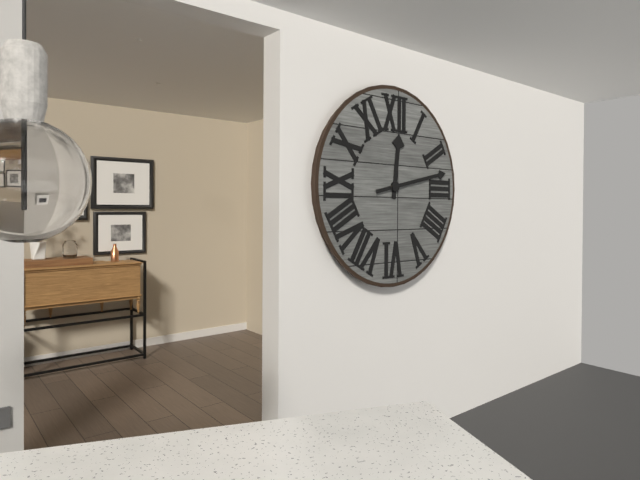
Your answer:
h=12 m=13
